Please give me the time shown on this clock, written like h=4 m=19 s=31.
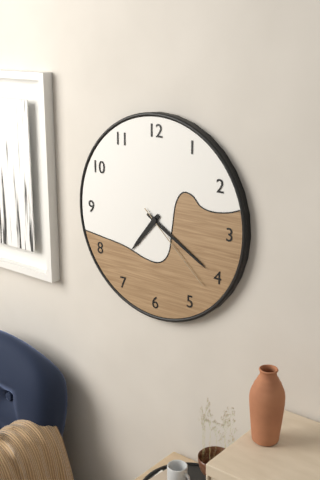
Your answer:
h=7 m=20 s=22
